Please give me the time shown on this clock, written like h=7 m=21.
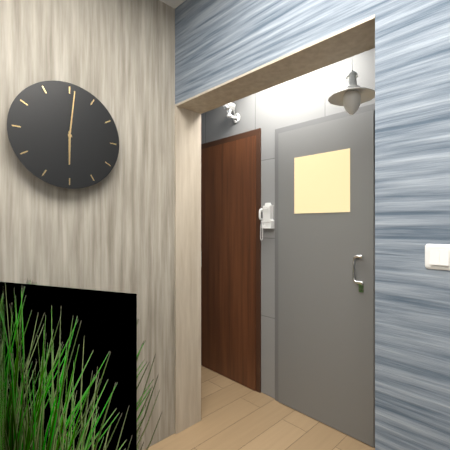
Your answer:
h=6 m=1
